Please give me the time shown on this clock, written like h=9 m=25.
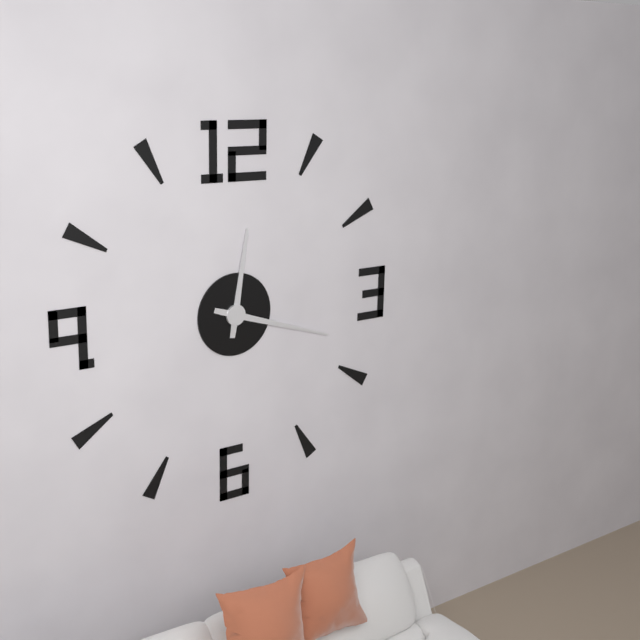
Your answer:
h=12 m=18
